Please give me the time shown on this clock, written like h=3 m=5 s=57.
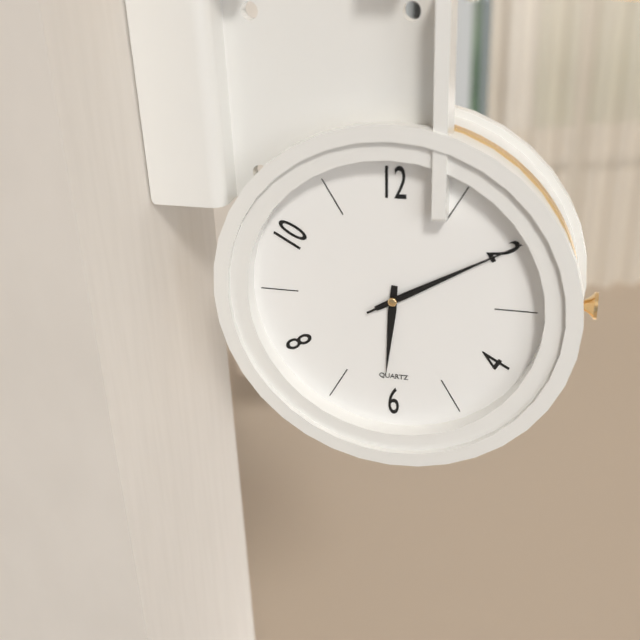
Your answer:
h=6 m=10 s=10
